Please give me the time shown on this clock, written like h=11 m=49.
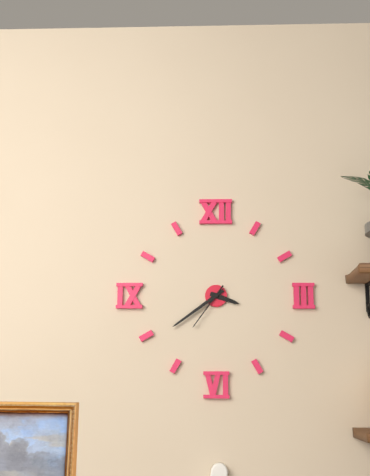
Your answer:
h=3 m=39
